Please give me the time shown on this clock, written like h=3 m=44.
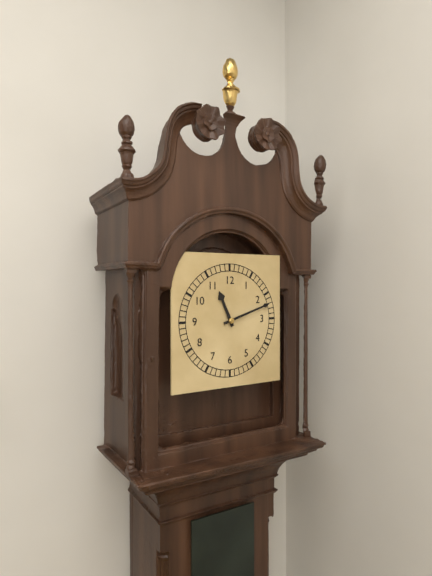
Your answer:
h=11 m=12
